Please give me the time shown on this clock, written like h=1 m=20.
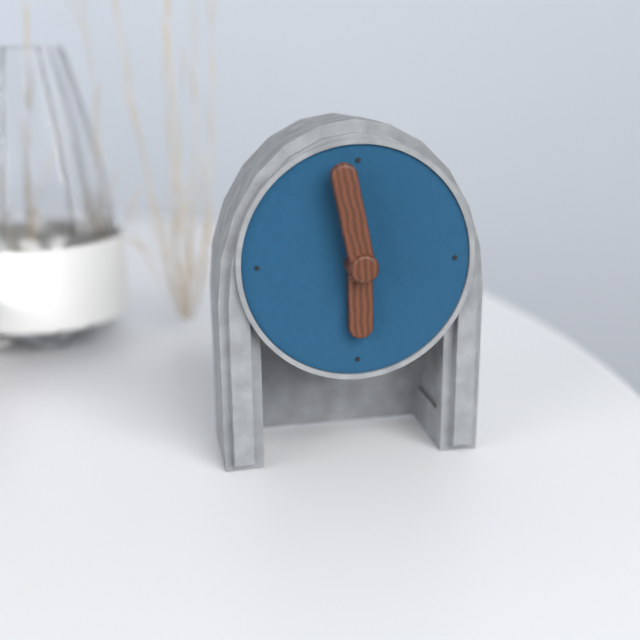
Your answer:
h=5 m=58
